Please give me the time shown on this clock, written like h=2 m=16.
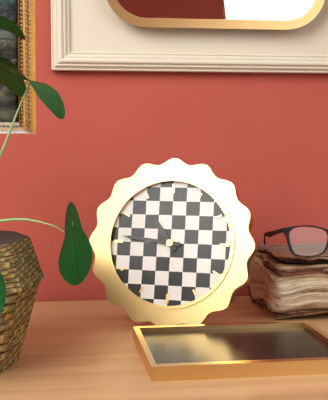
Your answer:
h=10 m=46
